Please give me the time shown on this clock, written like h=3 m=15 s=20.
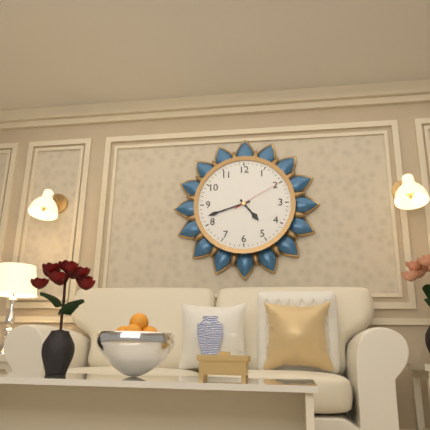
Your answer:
h=4 m=42 s=10
